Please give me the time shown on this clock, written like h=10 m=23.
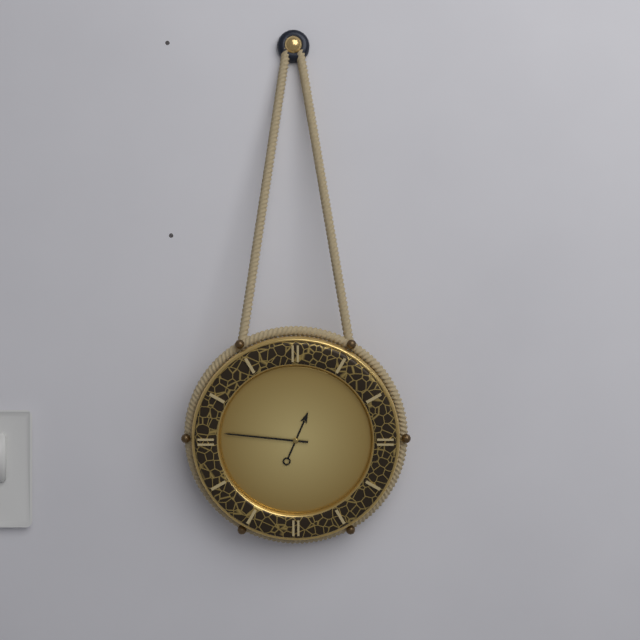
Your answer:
h=12 m=46
